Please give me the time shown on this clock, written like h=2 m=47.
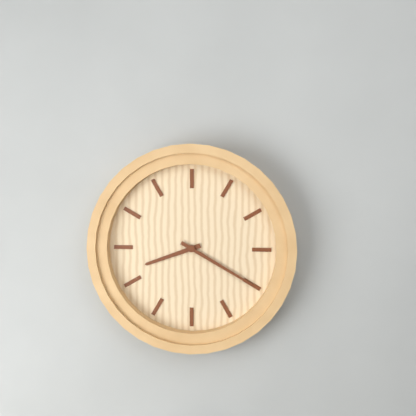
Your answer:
h=8 m=20
